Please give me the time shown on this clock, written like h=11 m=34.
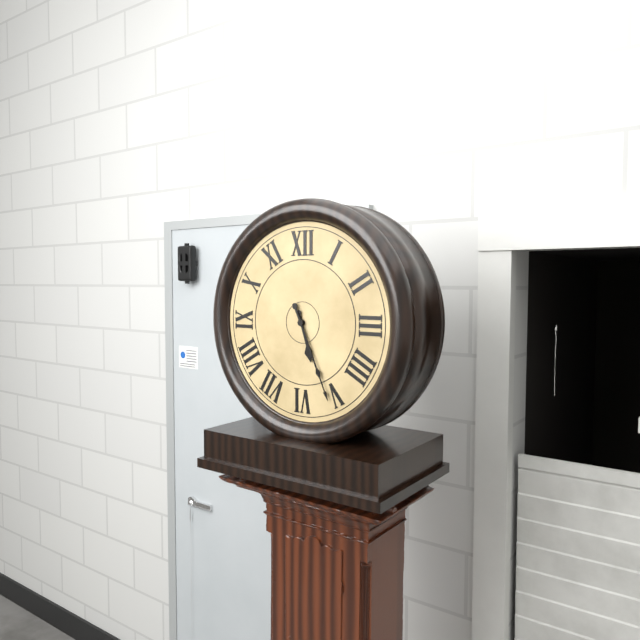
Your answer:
h=5 m=26
